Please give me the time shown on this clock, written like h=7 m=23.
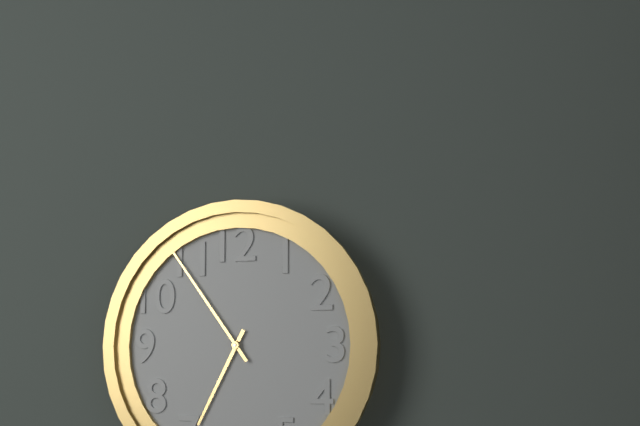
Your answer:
h=6 m=54
